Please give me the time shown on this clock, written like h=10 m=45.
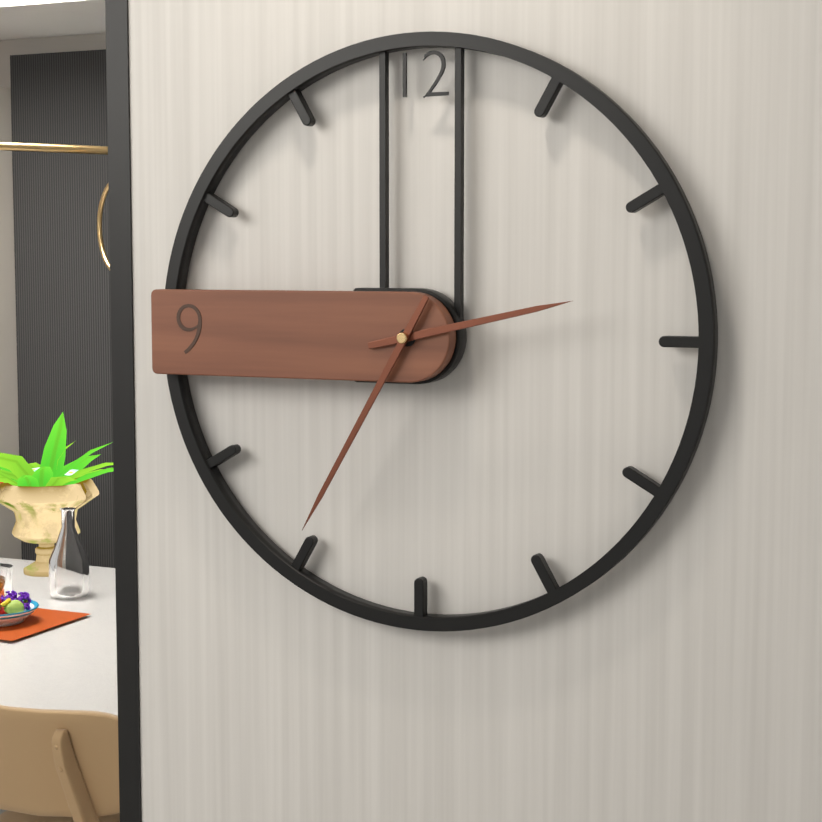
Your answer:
h=2 m=35
